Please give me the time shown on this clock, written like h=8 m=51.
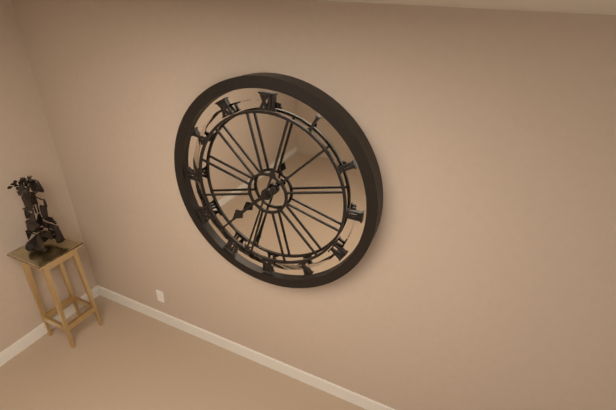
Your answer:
h=7 m=33
